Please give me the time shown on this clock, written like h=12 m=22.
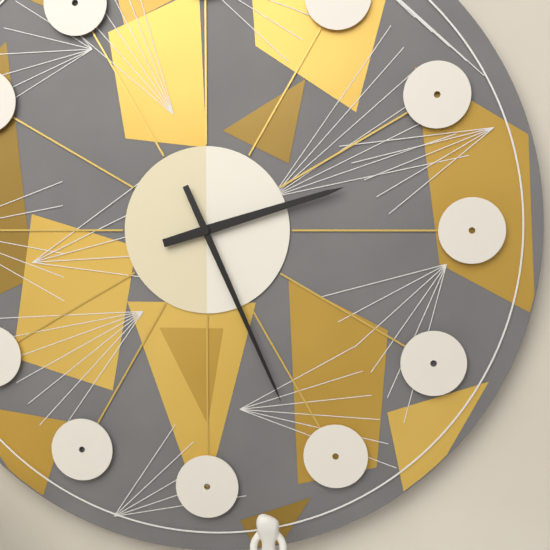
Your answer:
h=2 m=26
